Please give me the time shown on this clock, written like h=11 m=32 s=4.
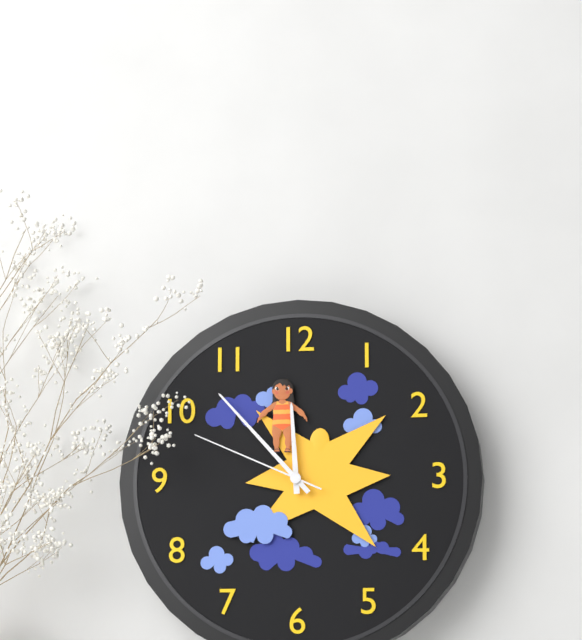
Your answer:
h=11 m=53 s=49
